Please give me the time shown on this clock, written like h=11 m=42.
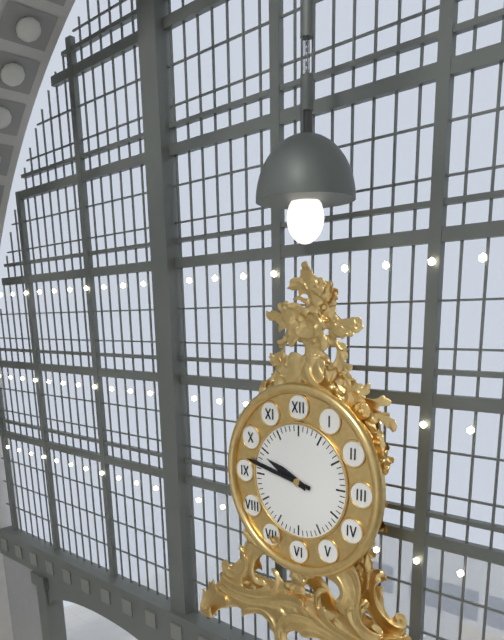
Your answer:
h=9 m=47
